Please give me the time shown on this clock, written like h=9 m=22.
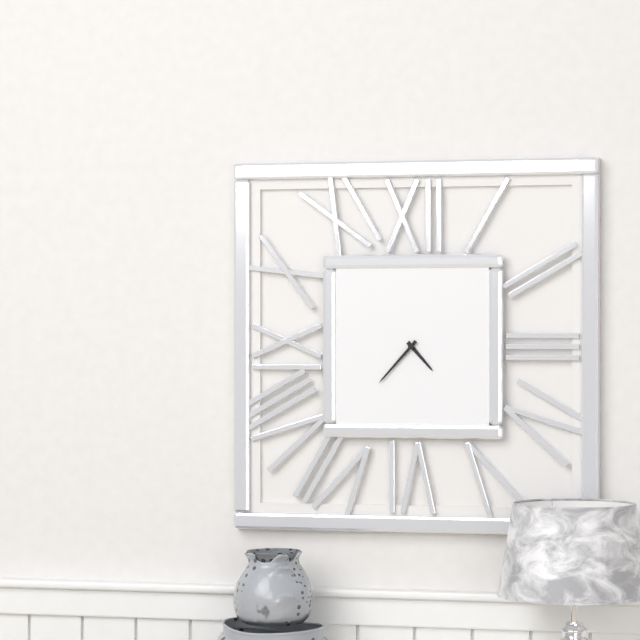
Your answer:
h=4 m=37
